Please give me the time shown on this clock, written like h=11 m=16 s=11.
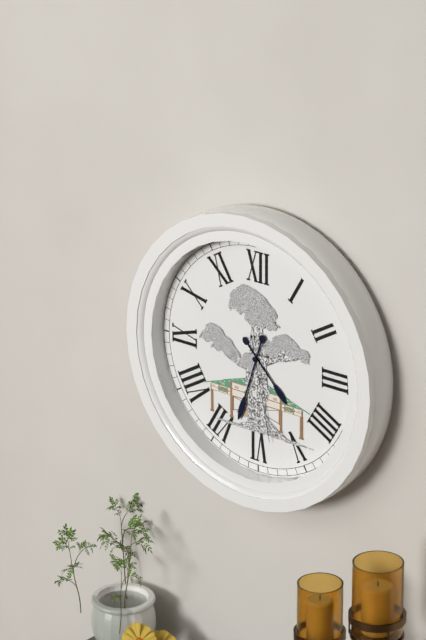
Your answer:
h=4 m=33 s=28
